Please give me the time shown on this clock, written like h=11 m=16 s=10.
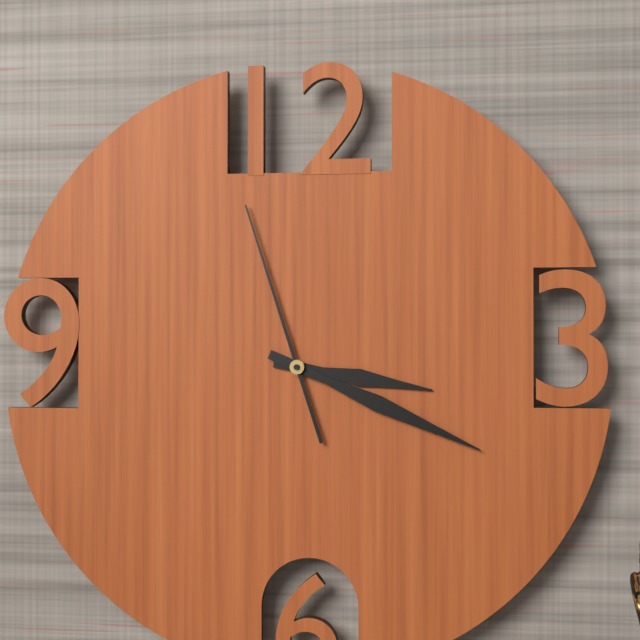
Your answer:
h=3 m=19 s=57
